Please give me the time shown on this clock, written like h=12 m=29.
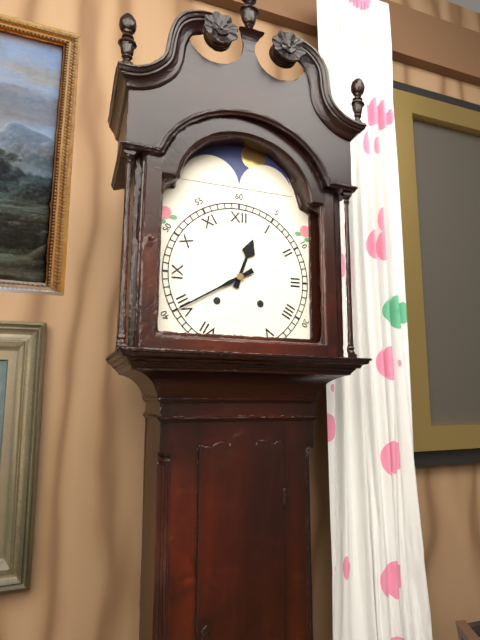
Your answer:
h=12 m=40
